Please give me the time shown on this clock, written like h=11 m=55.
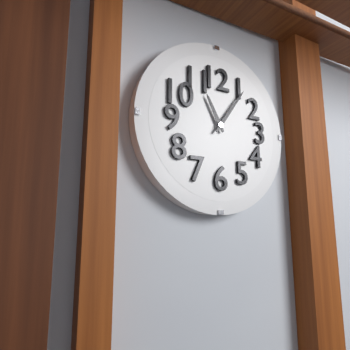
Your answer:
h=11 m=6
